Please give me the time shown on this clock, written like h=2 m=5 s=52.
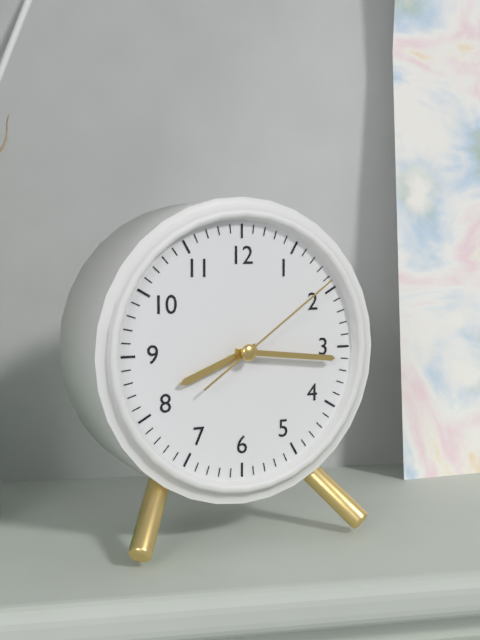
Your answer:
h=8 m=16 s=9
